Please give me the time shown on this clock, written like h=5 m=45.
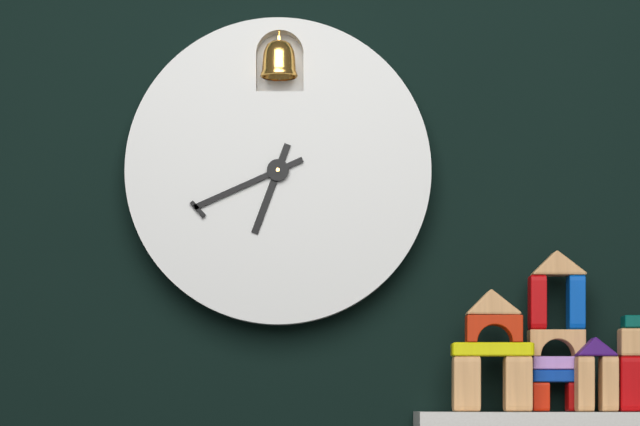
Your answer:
h=6 m=41
